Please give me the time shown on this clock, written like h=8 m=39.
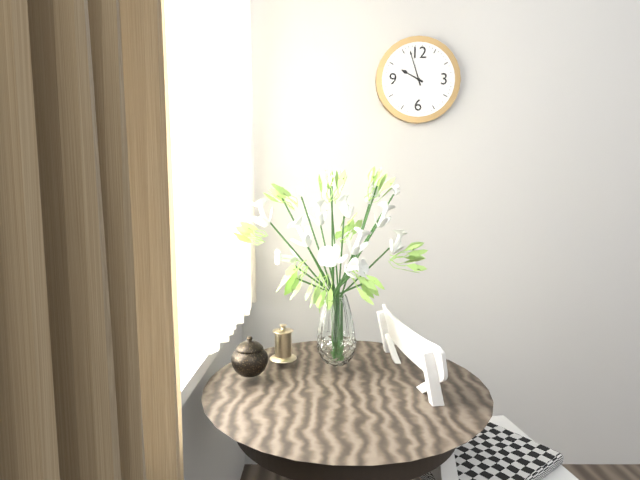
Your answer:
h=9 m=57
